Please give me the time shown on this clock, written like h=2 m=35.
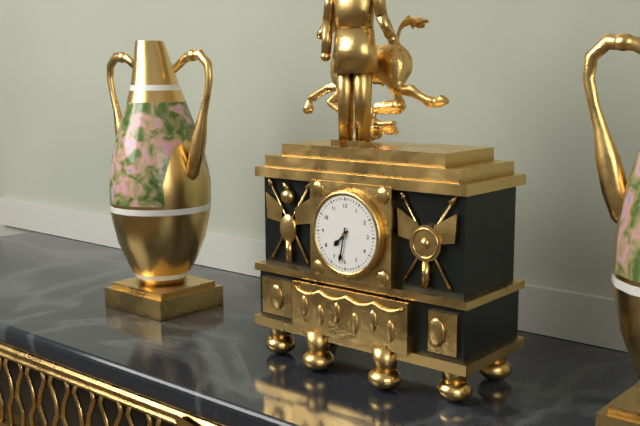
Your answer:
h=7 m=32
